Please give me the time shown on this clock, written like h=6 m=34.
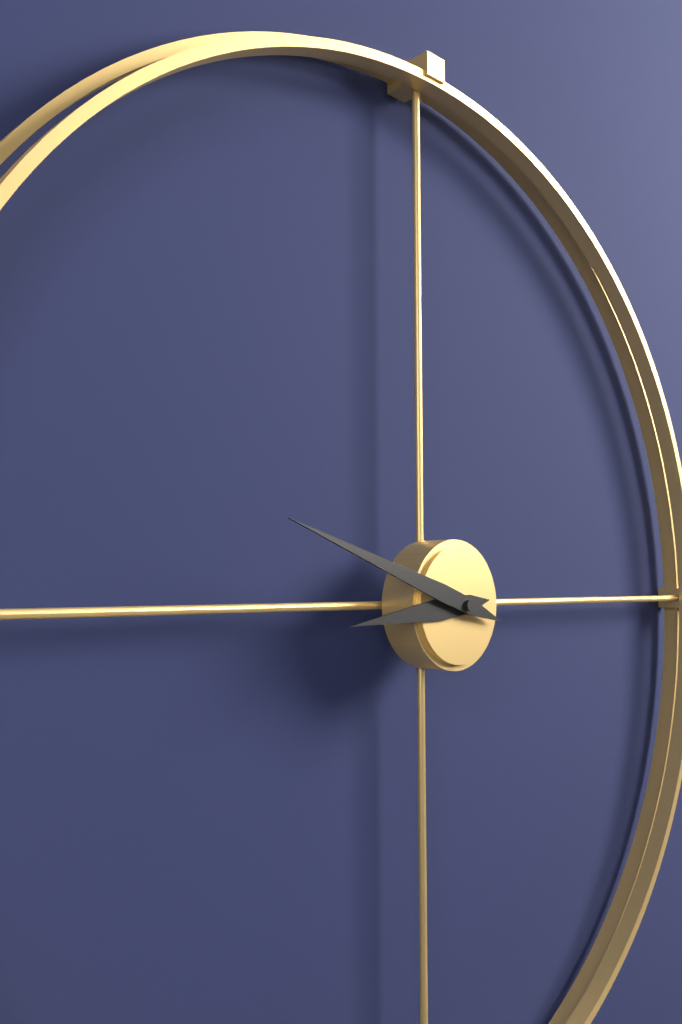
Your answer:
h=8 m=48
